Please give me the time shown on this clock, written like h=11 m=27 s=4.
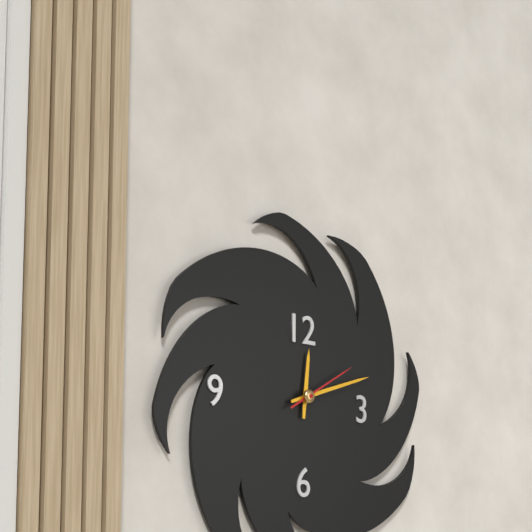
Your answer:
h=12 m=12 s=10
